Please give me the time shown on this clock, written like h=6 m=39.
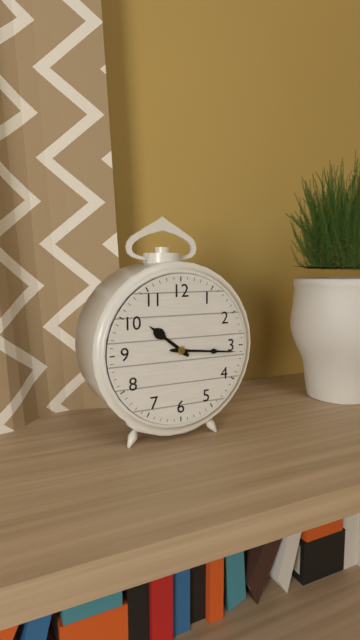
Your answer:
h=10 m=16
